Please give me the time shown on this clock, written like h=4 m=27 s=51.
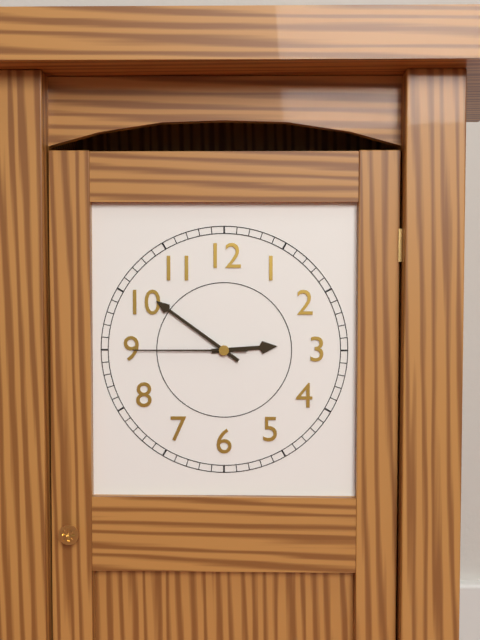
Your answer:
h=2 m=51 s=45
